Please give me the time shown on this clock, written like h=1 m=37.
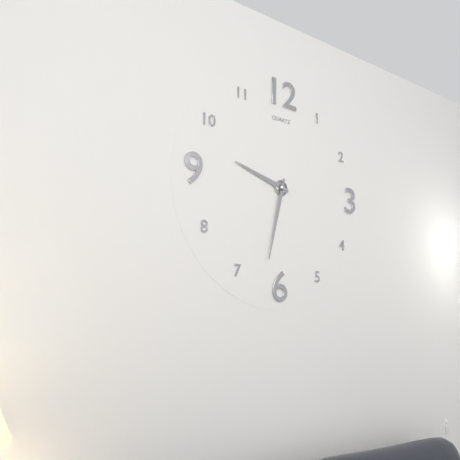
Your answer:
h=9 m=32
